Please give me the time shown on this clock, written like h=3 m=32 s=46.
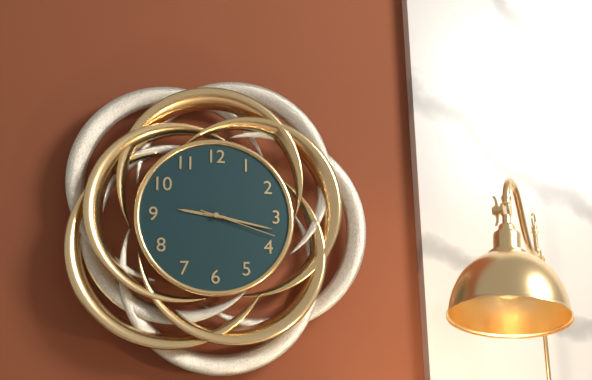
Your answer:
h=9 m=17 s=18
